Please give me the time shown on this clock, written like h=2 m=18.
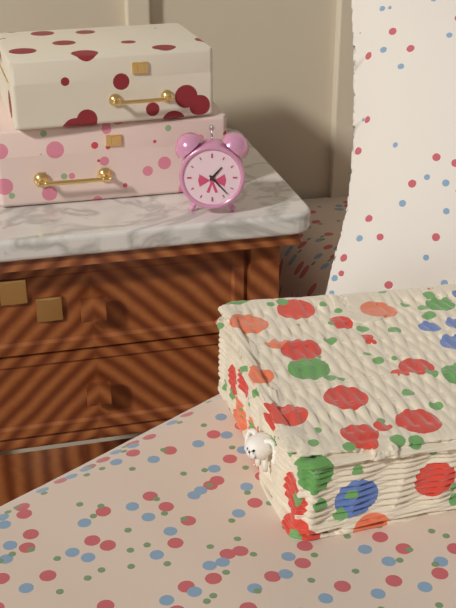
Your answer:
h=1 m=23
